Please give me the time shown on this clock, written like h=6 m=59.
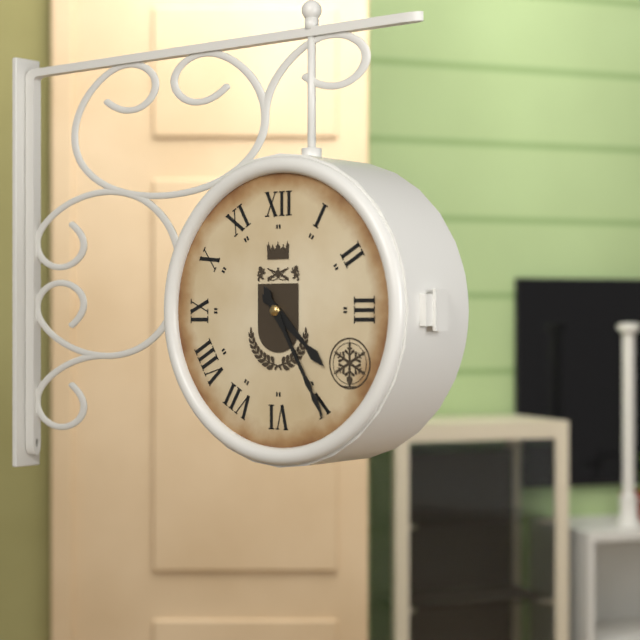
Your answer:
h=4 m=25
